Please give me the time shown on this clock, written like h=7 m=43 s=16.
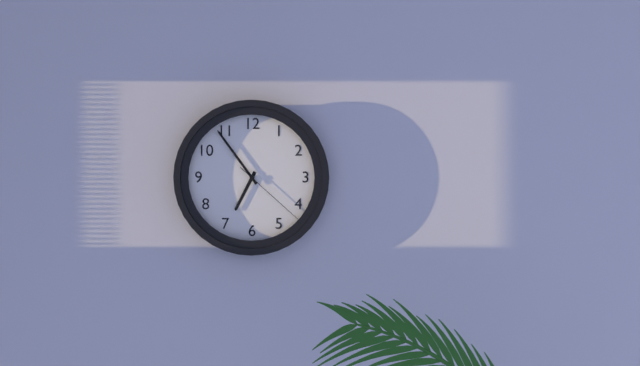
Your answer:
h=6 m=54 s=22
